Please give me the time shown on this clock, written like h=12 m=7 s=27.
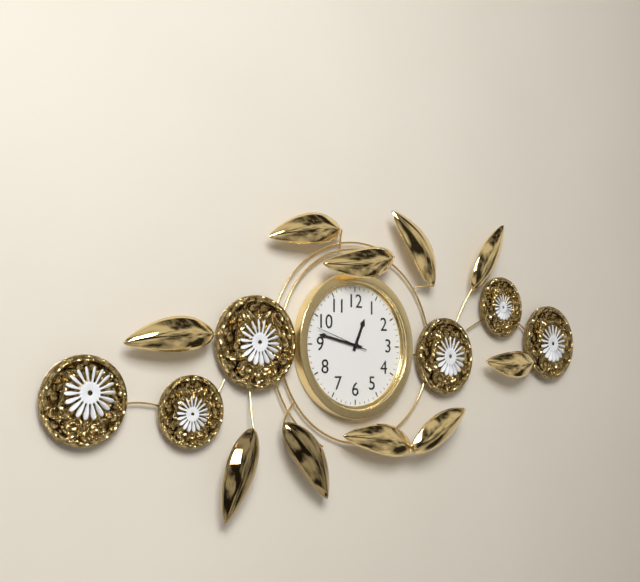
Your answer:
h=12 m=47 s=48
